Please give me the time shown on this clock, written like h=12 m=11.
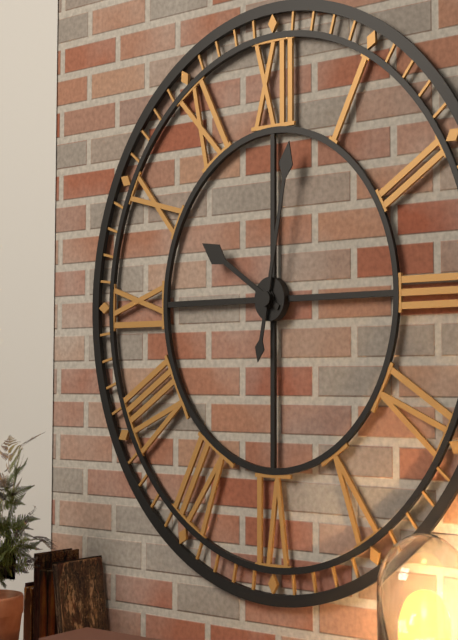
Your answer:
h=10 m=2
